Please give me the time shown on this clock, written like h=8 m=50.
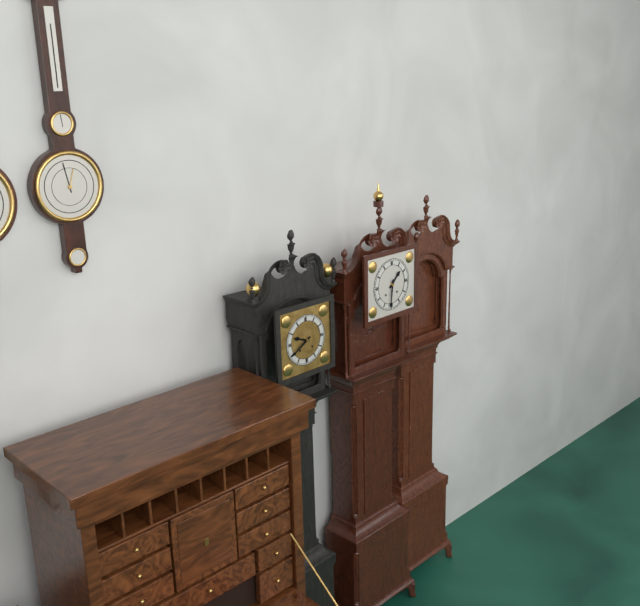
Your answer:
h=1 m=31
